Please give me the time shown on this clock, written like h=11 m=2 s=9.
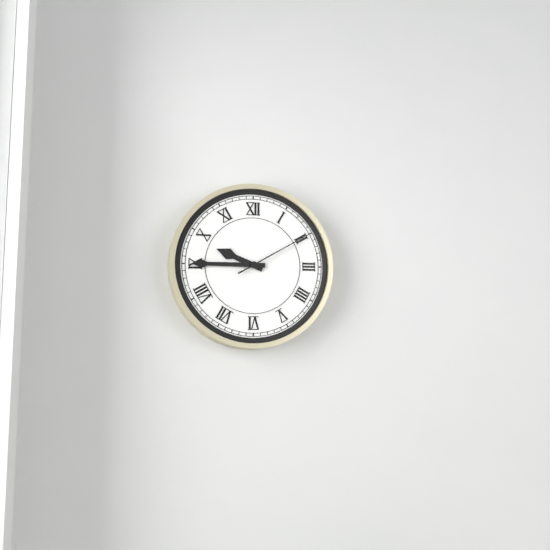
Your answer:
h=9 m=45 s=10
